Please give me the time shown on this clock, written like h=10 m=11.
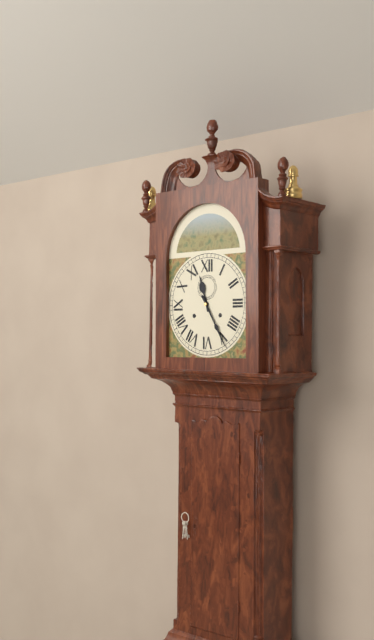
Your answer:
h=11 m=25
